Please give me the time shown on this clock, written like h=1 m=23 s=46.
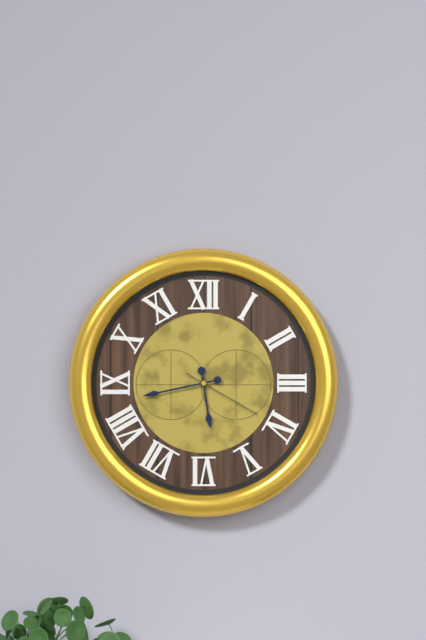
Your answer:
h=5 m=43 s=20
